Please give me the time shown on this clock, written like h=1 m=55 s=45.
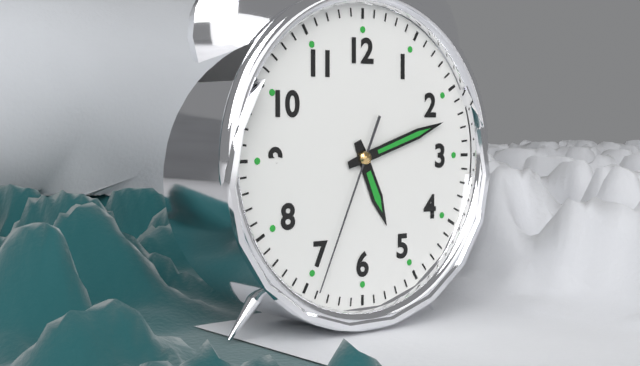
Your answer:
h=5 m=12 s=34
